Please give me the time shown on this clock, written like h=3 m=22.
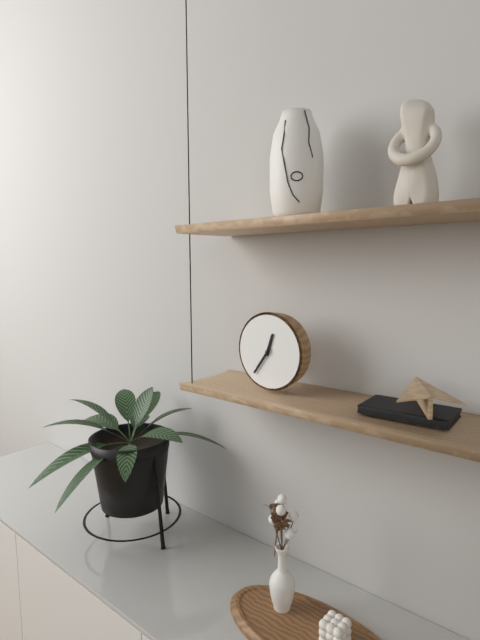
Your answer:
h=12 m=36
